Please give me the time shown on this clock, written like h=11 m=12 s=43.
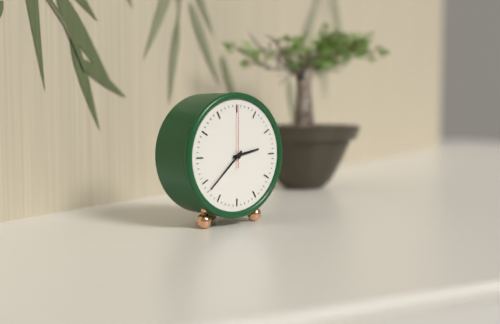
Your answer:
h=2 m=38 s=0
